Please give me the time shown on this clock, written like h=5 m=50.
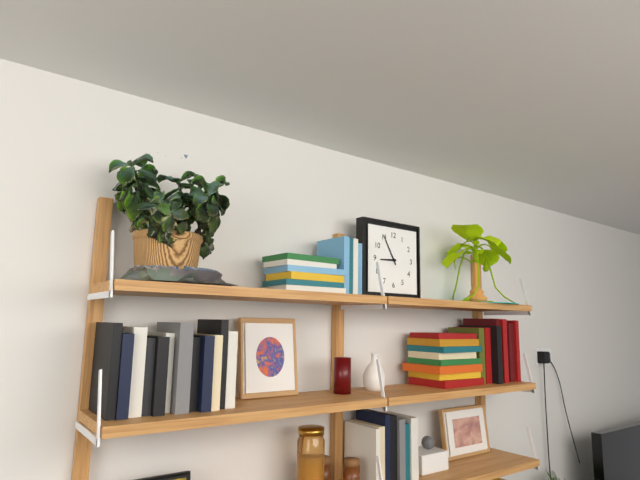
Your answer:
h=8 m=55
